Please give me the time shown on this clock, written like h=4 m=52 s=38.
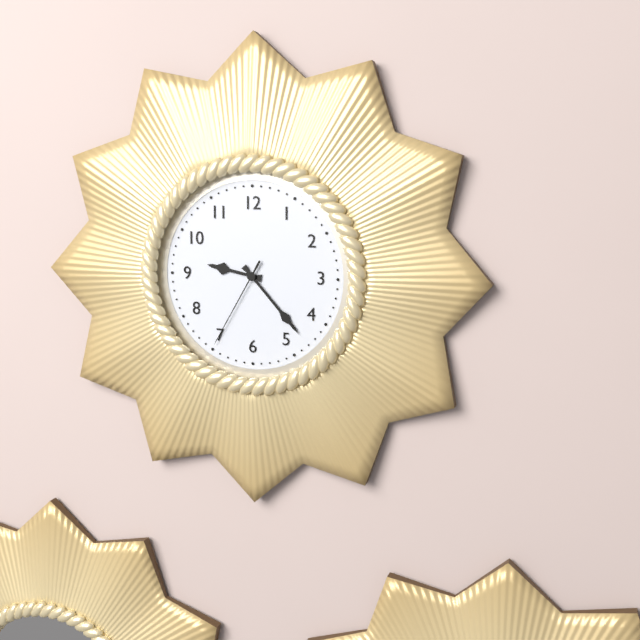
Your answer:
h=9 m=23 s=35
